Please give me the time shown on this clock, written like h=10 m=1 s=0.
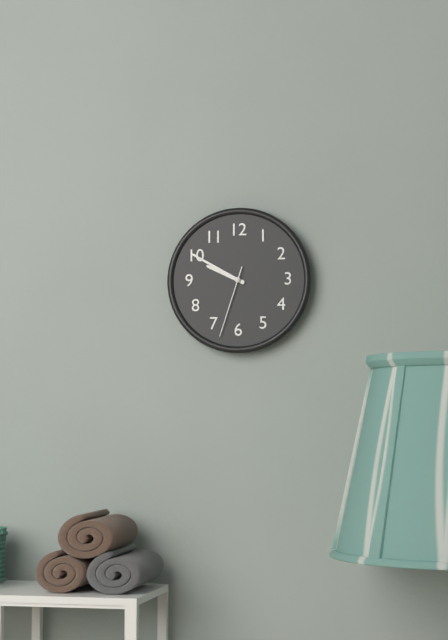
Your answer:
h=9 m=50 s=33
